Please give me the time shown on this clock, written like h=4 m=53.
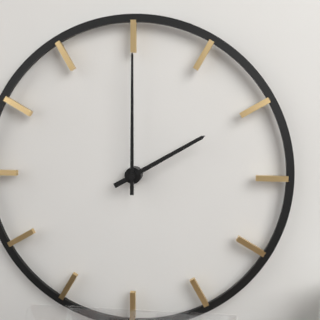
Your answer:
h=2 m=0
